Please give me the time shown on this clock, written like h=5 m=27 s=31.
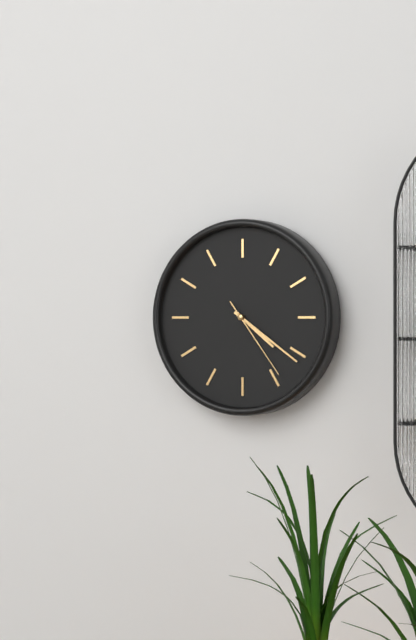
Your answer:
h=4 m=21 s=24
